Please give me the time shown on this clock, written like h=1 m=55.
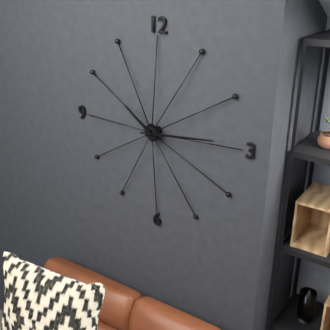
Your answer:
h=10 m=14
